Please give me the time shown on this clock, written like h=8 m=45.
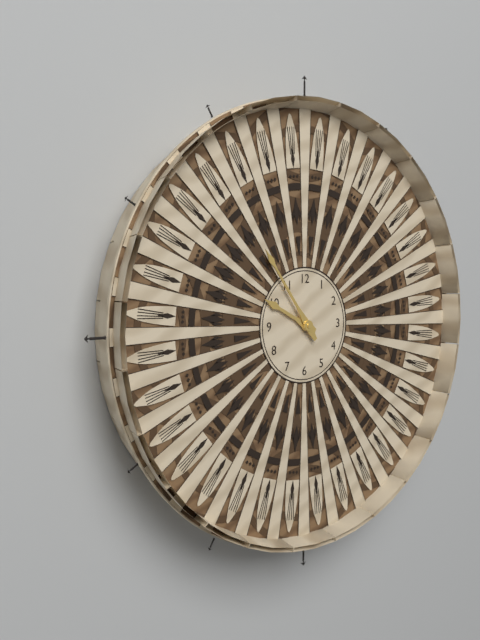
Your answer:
h=9 m=54
